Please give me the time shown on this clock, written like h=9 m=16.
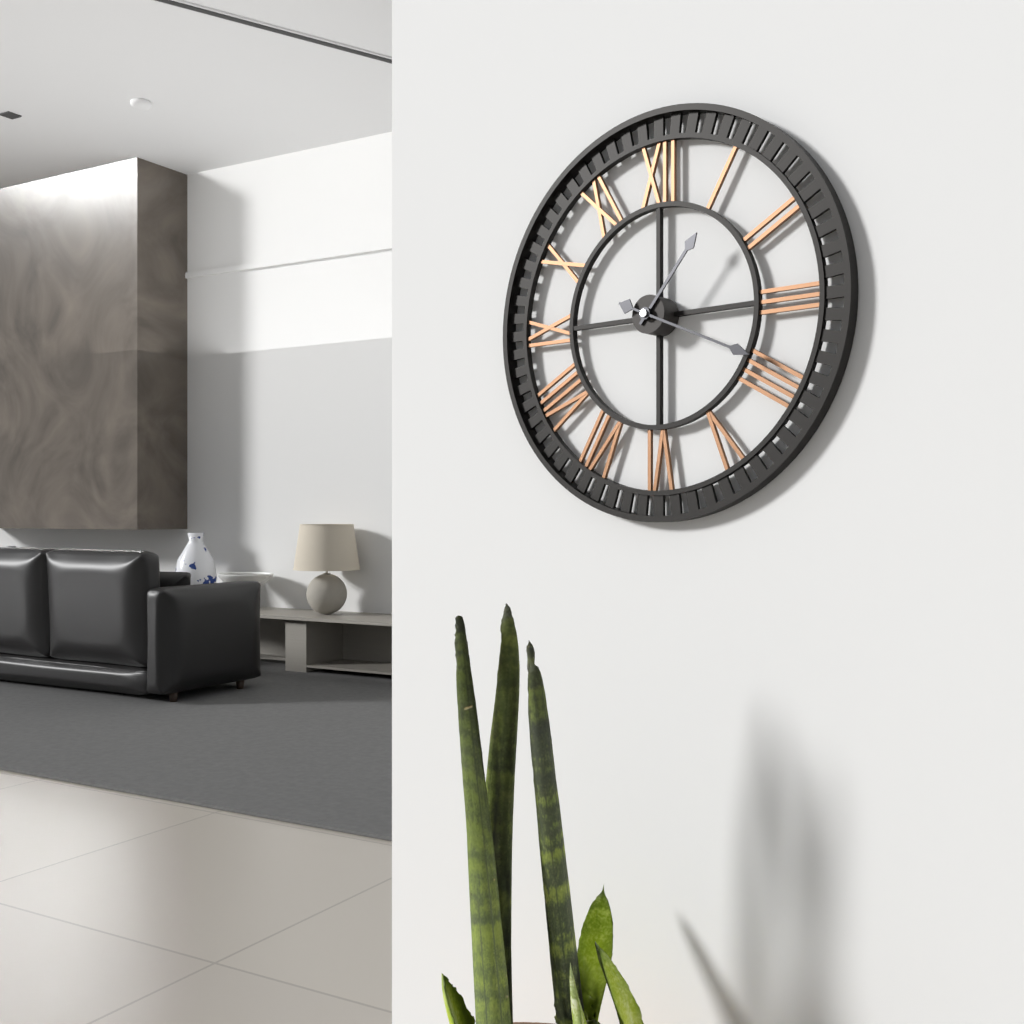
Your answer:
h=1 m=19
